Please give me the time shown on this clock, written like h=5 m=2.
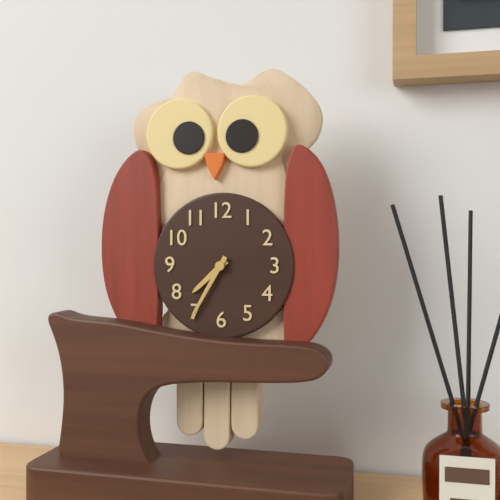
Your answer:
h=7 m=35
